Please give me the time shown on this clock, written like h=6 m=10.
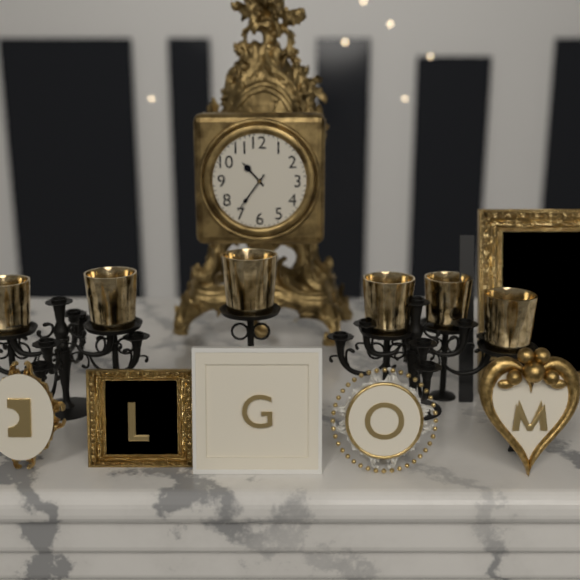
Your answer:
h=10 m=36
